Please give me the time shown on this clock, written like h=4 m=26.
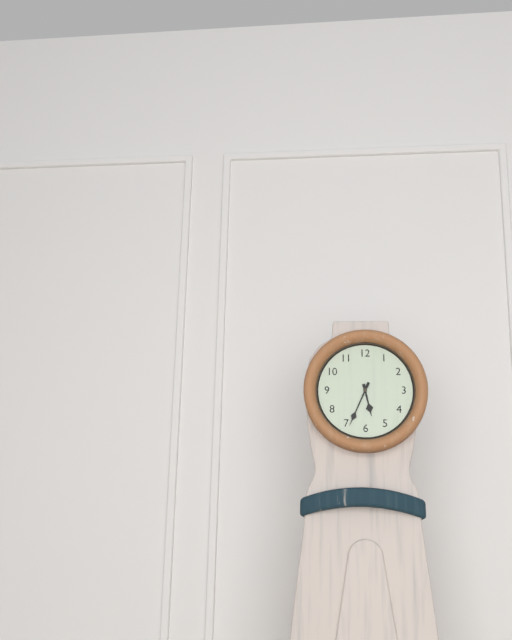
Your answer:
h=5 m=34
